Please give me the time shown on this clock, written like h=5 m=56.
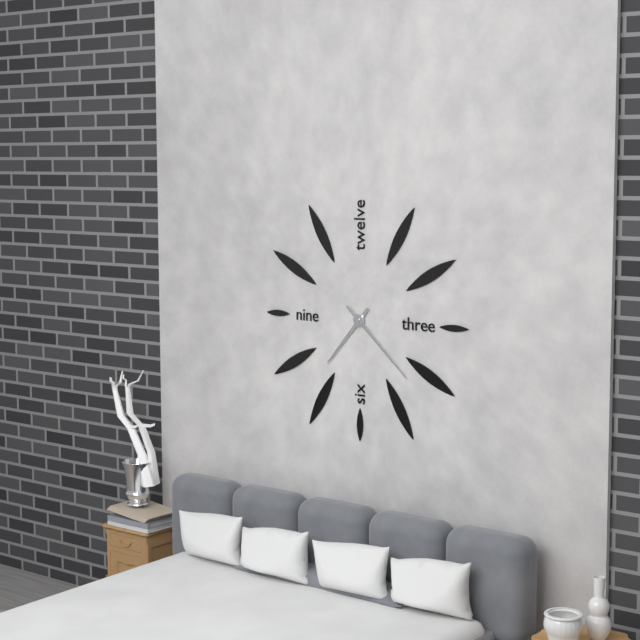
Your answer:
h=7 m=22
